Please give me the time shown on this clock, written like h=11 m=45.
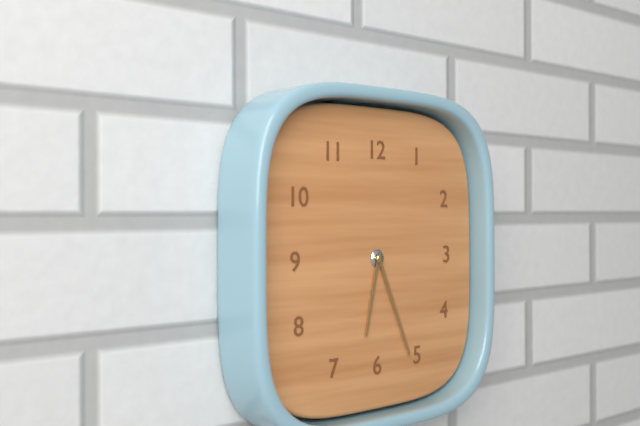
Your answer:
h=6 m=26
